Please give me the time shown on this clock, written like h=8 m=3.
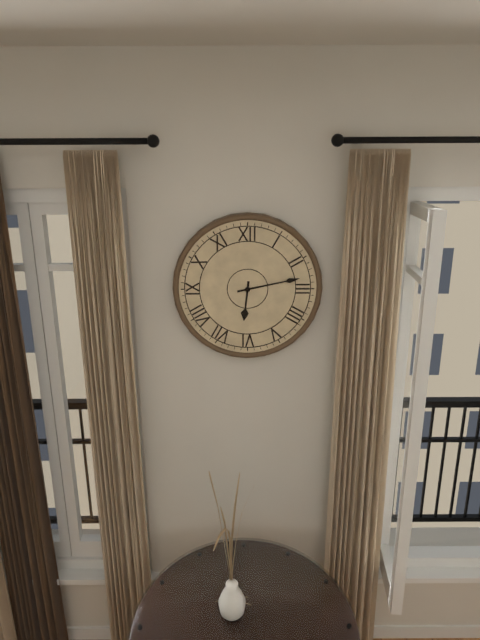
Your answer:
h=6 m=13
